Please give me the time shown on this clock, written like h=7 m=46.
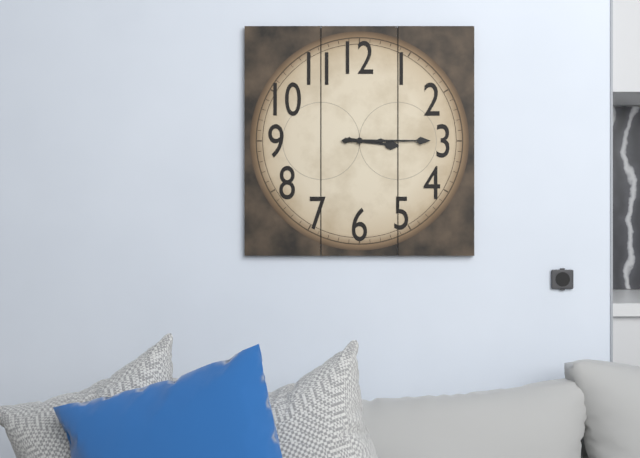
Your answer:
h=3 m=15
